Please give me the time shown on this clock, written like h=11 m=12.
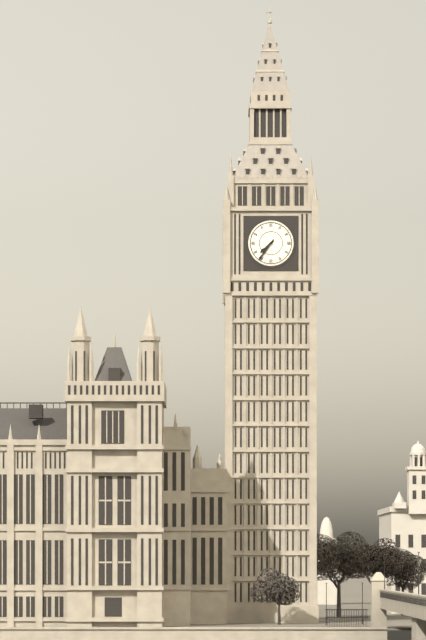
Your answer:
h=7 m=36
